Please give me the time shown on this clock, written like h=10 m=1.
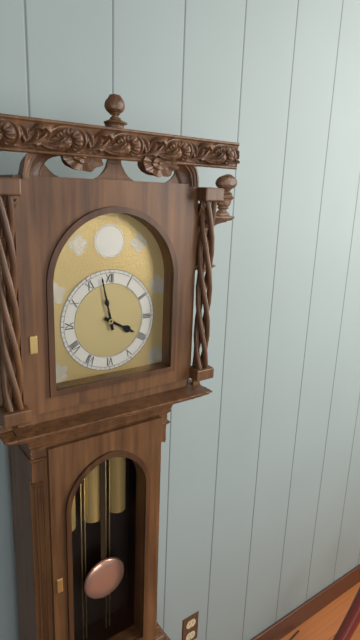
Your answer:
h=3 m=58
